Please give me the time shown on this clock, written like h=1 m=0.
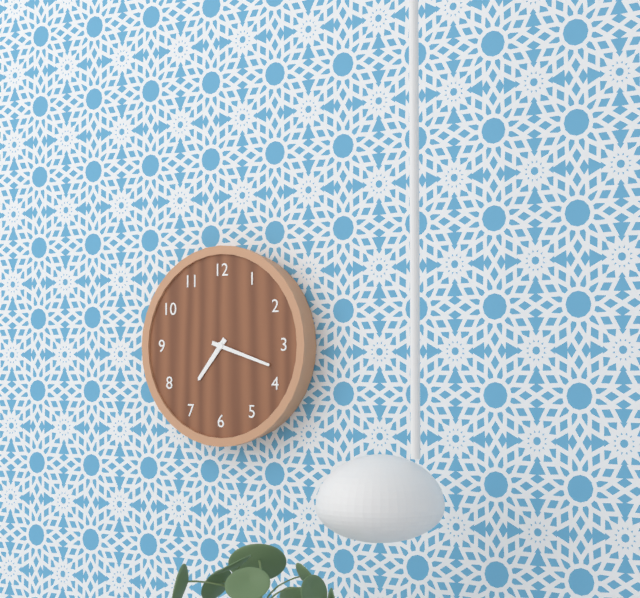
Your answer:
h=7 m=18
